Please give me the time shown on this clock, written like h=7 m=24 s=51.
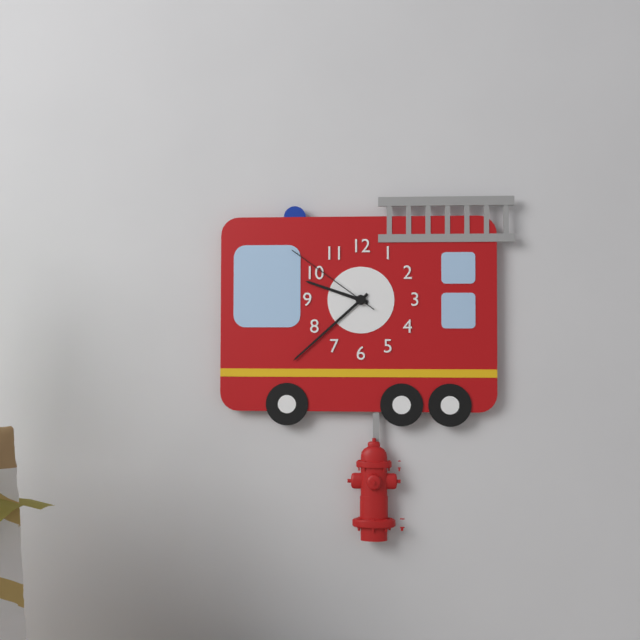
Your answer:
h=9 m=38 s=51
